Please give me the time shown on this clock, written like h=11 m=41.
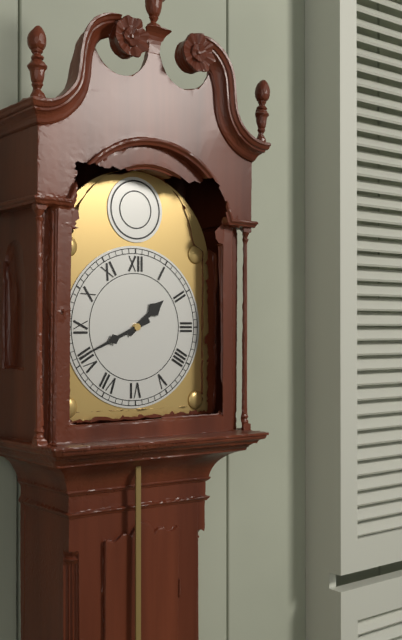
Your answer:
h=1 m=41
